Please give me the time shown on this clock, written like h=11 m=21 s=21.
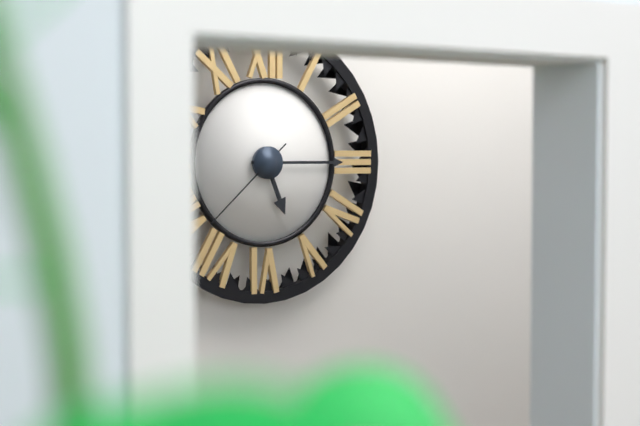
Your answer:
h=5 m=15 s=38
